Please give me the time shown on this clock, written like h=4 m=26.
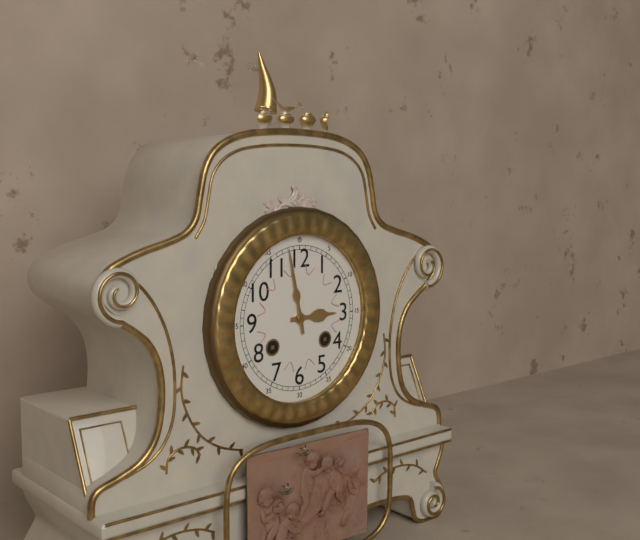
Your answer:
h=2 m=58
